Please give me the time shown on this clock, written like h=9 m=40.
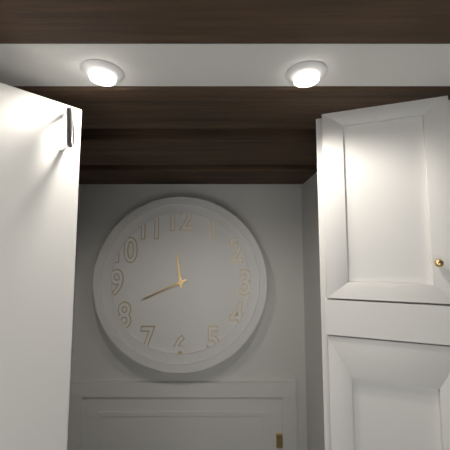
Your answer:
h=11 m=41
